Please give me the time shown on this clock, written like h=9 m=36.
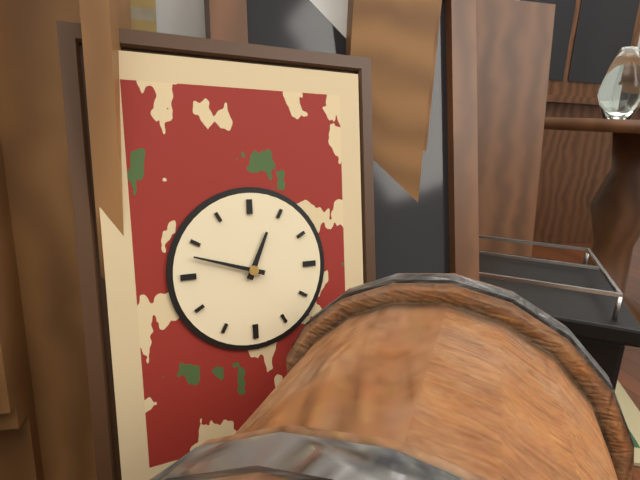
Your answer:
h=12 m=48
